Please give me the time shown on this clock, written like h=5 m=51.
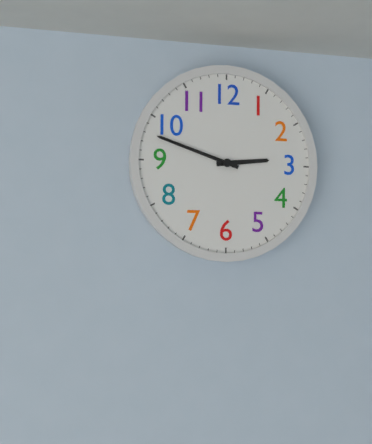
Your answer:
h=2 m=48
